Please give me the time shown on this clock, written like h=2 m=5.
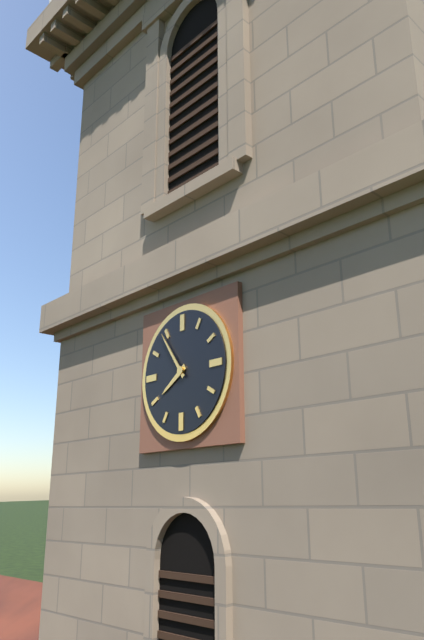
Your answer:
h=7 m=54
